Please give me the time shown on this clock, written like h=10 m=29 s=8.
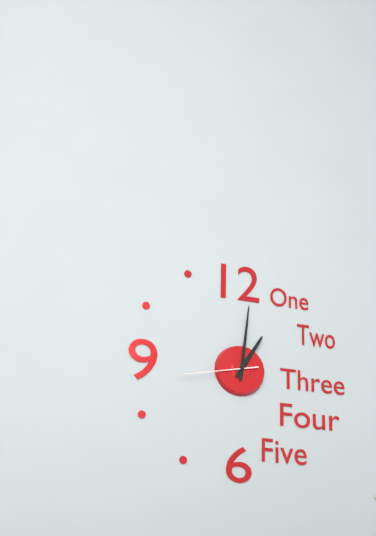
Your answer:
h=1 m=1 s=43
